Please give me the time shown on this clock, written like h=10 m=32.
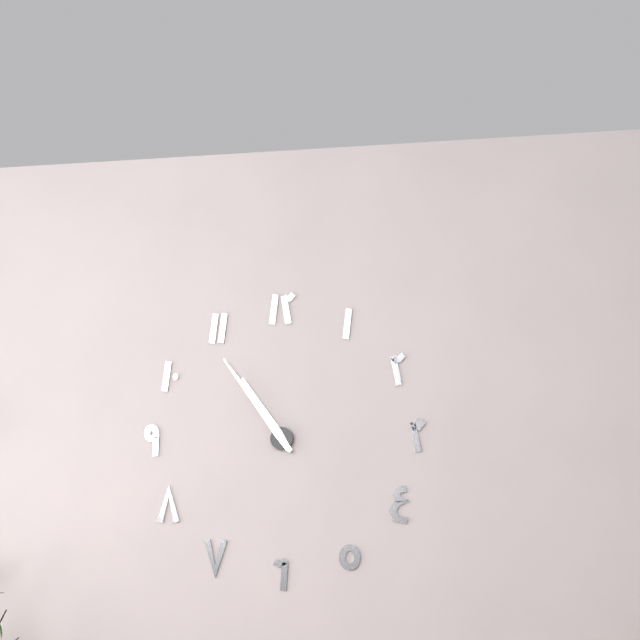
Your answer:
h=10 m=54
